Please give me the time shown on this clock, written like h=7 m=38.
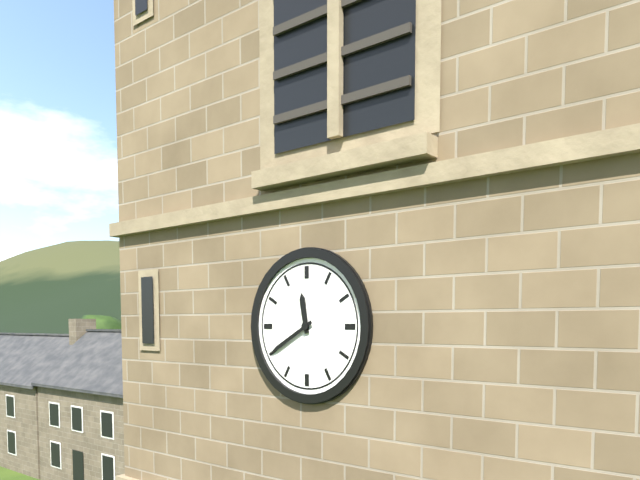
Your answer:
h=11 m=40
